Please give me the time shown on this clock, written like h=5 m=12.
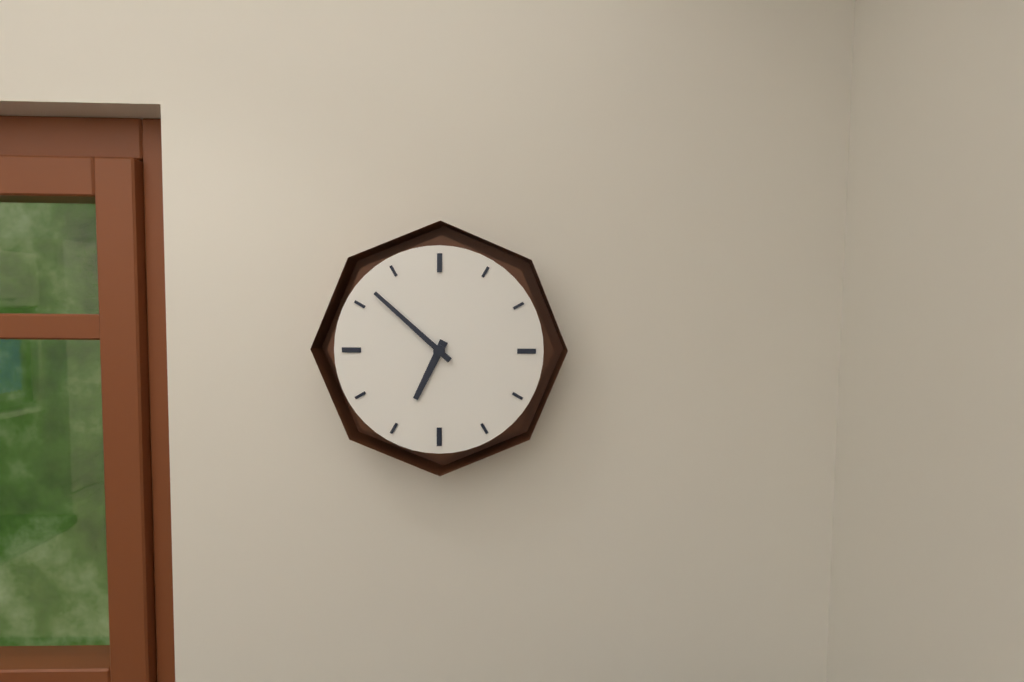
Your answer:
h=6 m=52
